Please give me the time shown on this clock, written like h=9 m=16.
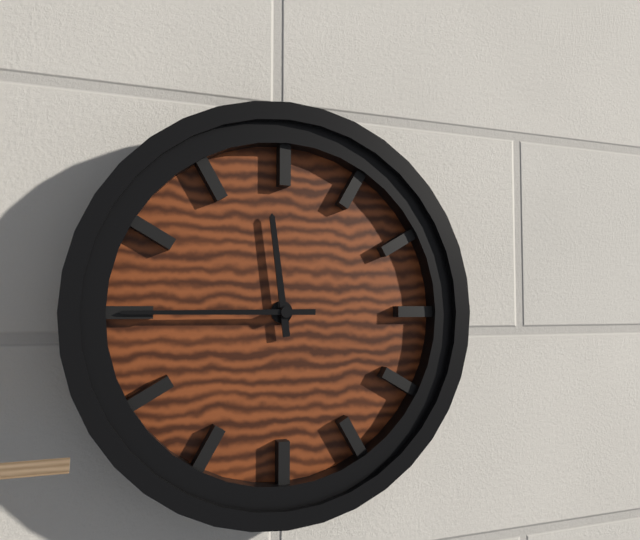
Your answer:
h=11 m=45
